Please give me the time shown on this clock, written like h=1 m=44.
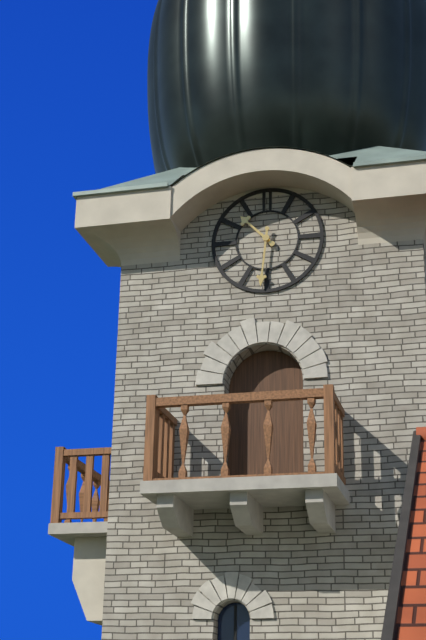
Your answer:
h=10 m=31
